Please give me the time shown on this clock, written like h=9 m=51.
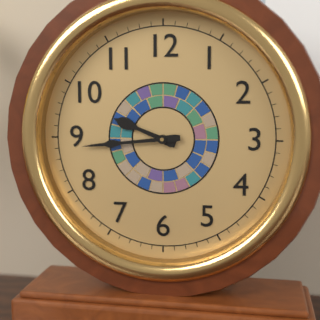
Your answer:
h=9 m=44
